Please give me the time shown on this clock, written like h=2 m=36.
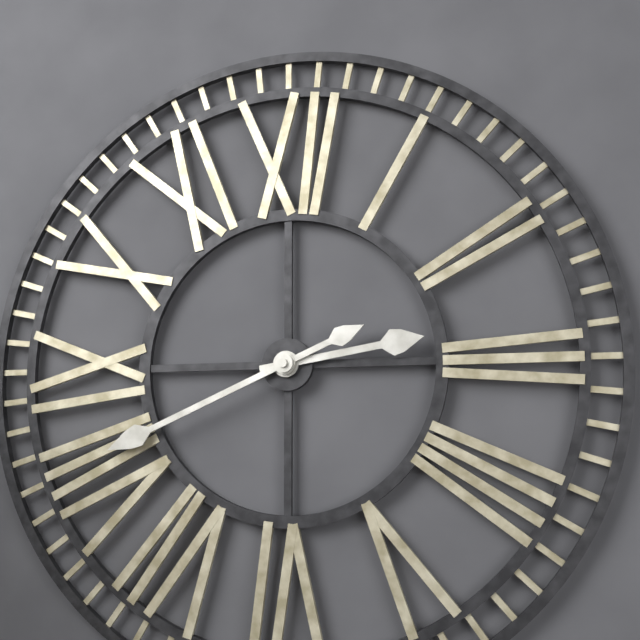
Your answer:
h=2 m=41
